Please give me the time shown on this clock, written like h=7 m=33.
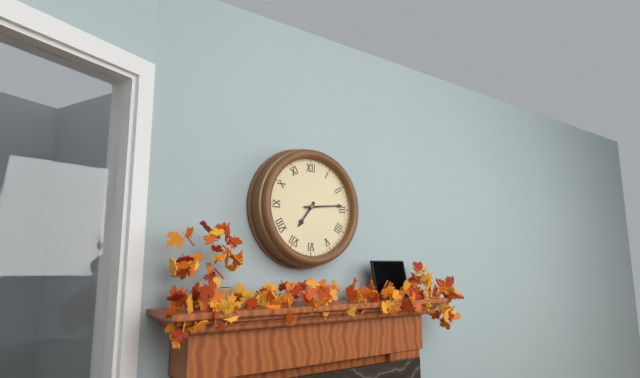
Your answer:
h=7 m=14
